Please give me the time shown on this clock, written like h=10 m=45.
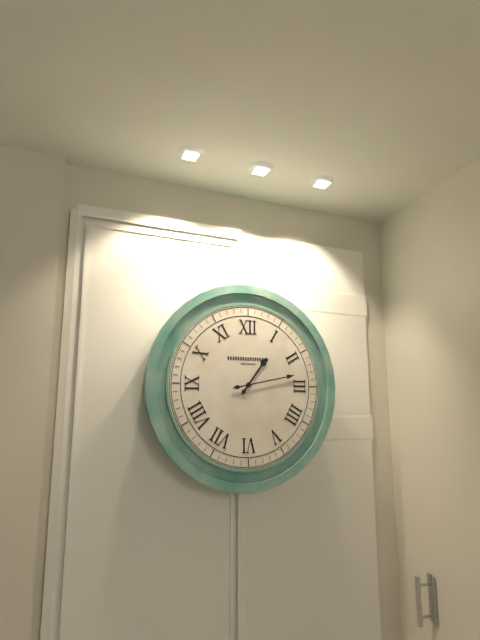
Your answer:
h=1 m=13
